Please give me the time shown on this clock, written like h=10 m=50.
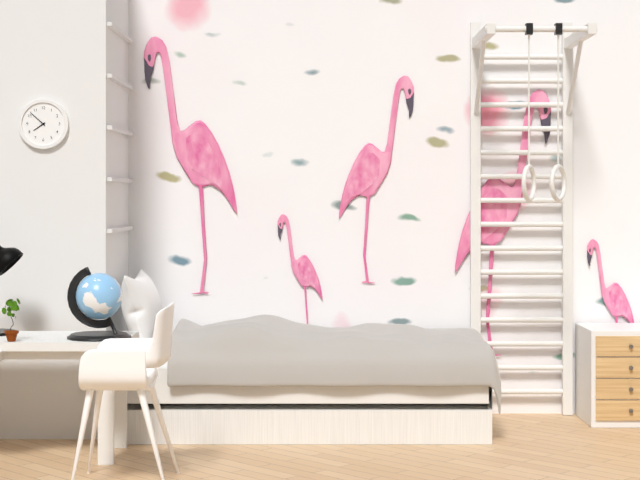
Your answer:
h=7 m=52
